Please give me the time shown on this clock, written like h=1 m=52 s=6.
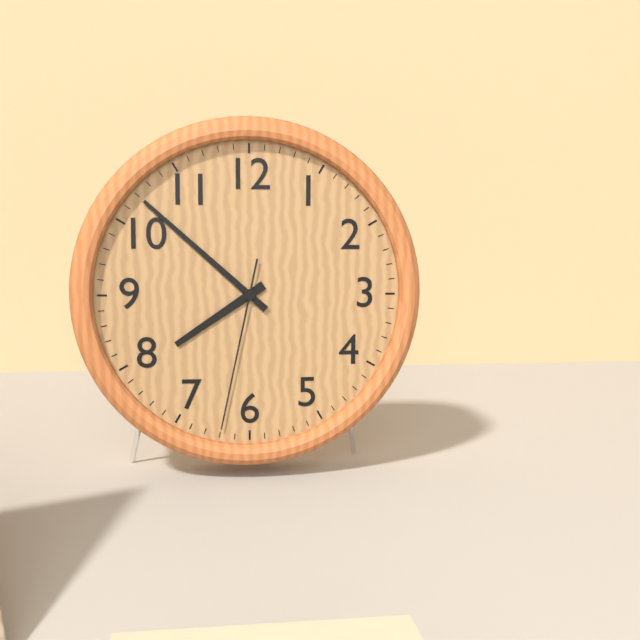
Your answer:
h=7 m=52 s=32
